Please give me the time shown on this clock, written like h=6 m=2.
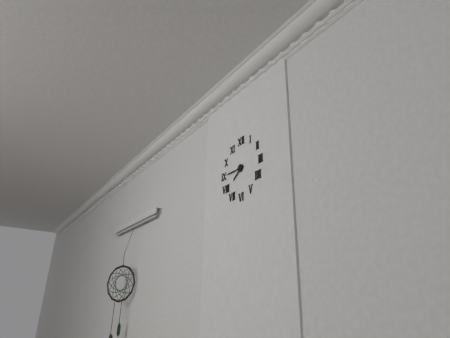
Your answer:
h=7 m=45
